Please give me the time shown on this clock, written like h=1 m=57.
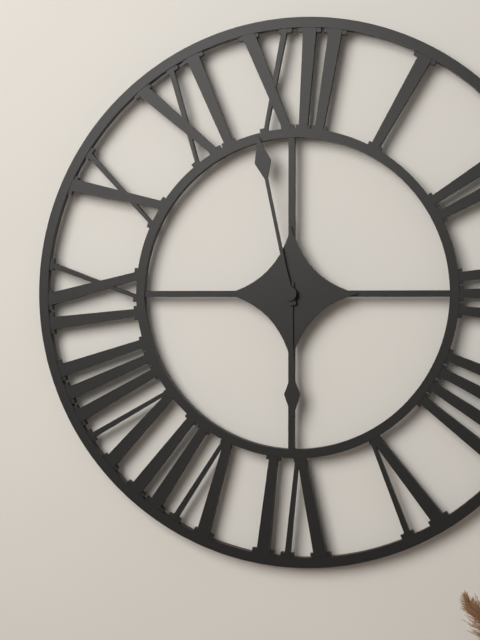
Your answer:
h=5 m=58
